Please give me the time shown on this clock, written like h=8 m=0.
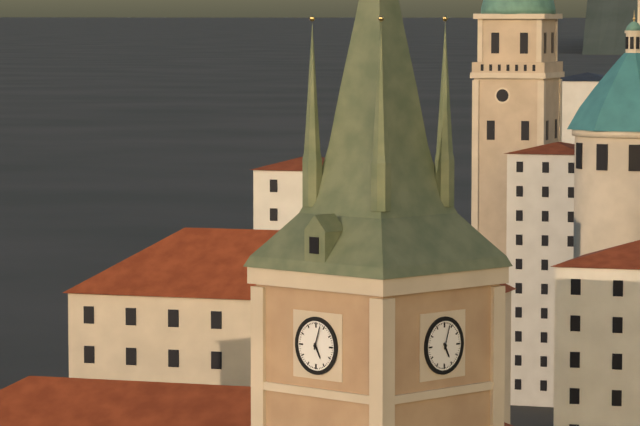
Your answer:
h=5 m=3
